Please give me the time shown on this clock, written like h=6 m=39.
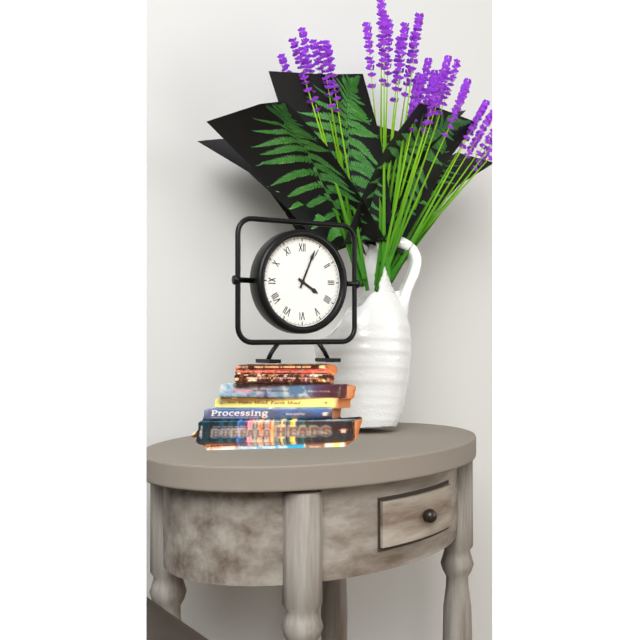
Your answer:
h=4 m=4
